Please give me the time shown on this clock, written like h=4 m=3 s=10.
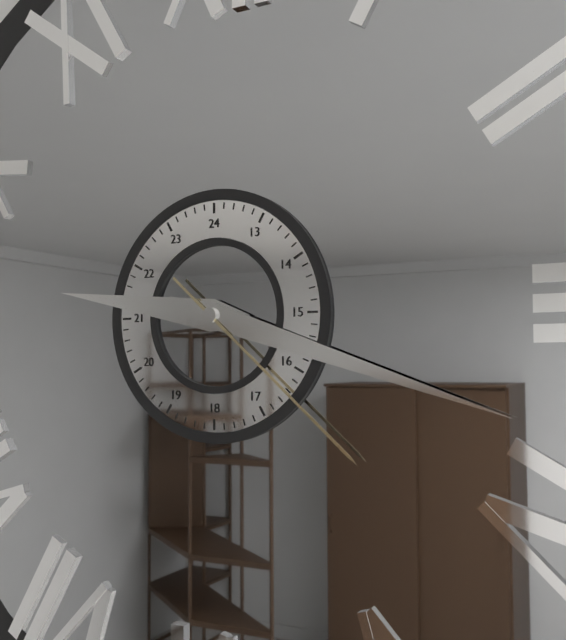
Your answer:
h=9 m=18 s=22
